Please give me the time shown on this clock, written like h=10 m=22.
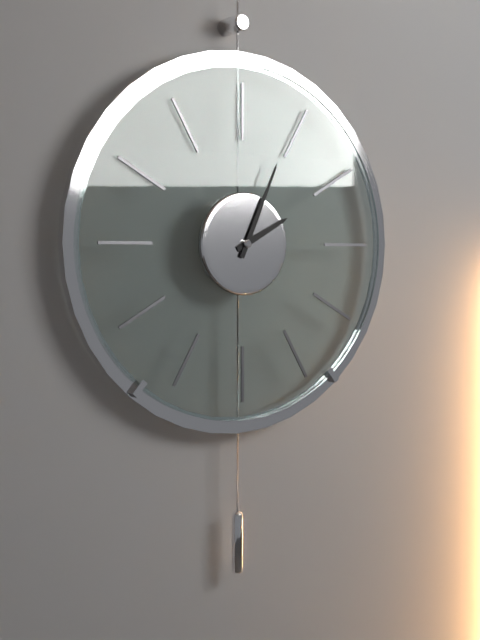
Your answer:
h=2 m=4
